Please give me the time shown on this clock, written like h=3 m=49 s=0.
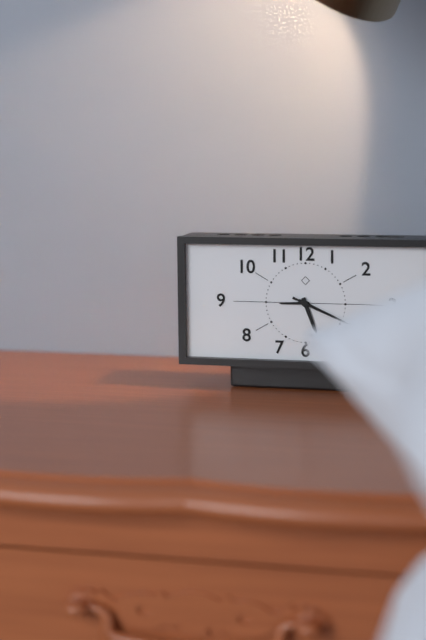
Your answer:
h=5 m=19 s=19
